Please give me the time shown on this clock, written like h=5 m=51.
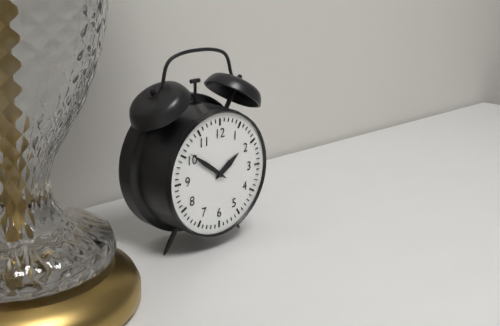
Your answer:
h=1 m=51
